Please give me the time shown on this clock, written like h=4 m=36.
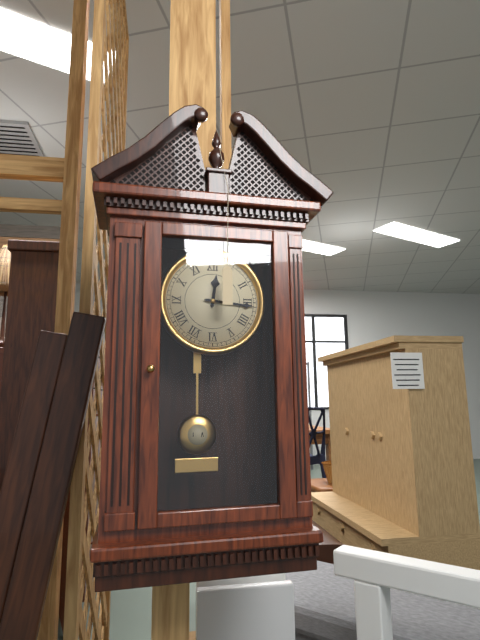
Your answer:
h=12 m=16
